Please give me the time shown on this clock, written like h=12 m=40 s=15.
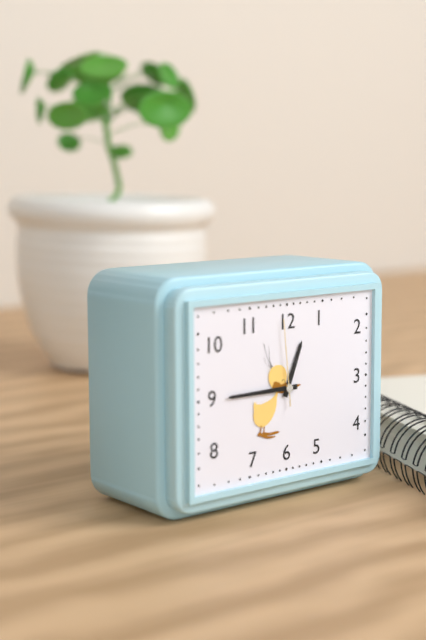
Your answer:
h=12 m=45 s=59
